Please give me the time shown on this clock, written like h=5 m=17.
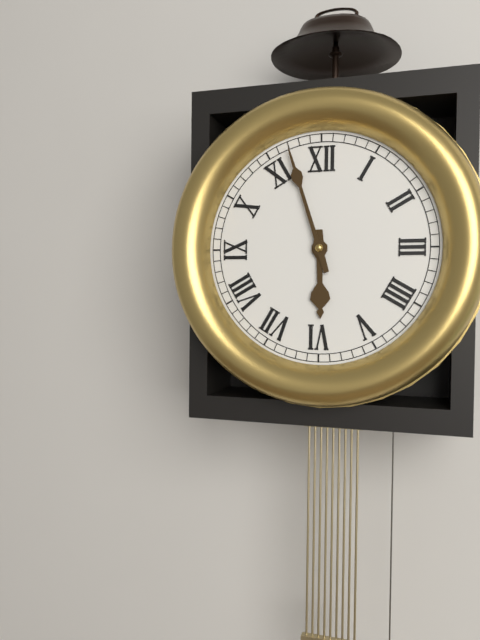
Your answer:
h=5 m=57
